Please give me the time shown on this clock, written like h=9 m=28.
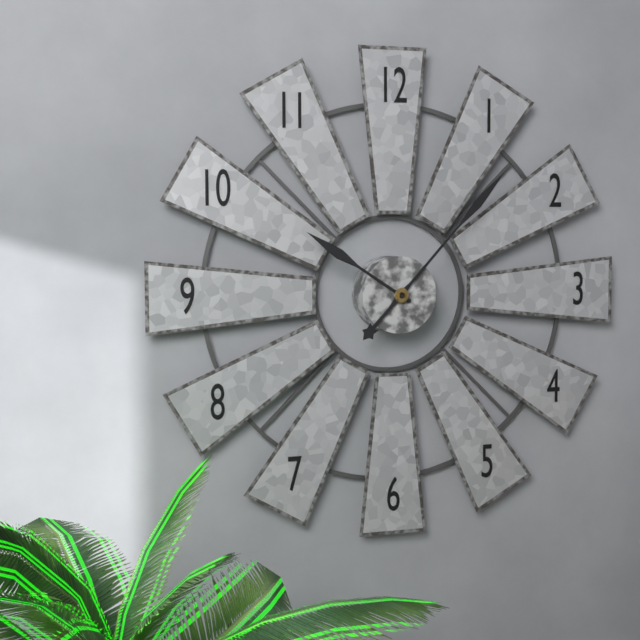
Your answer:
h=10 m=7
